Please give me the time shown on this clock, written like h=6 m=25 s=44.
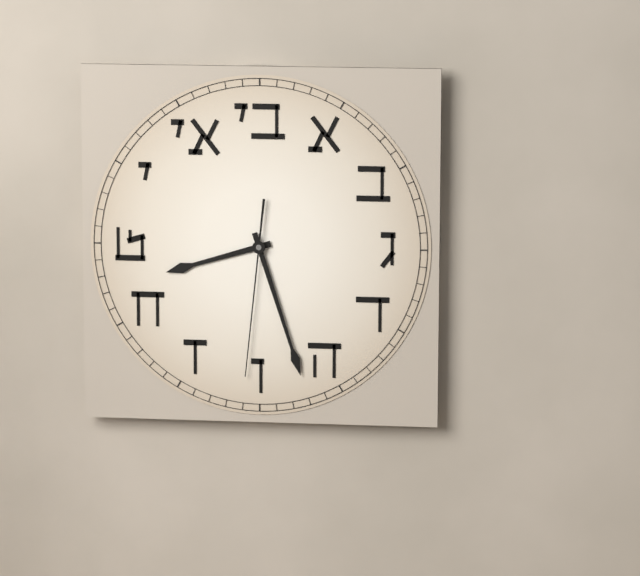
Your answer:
h=8 m=27 s=31
